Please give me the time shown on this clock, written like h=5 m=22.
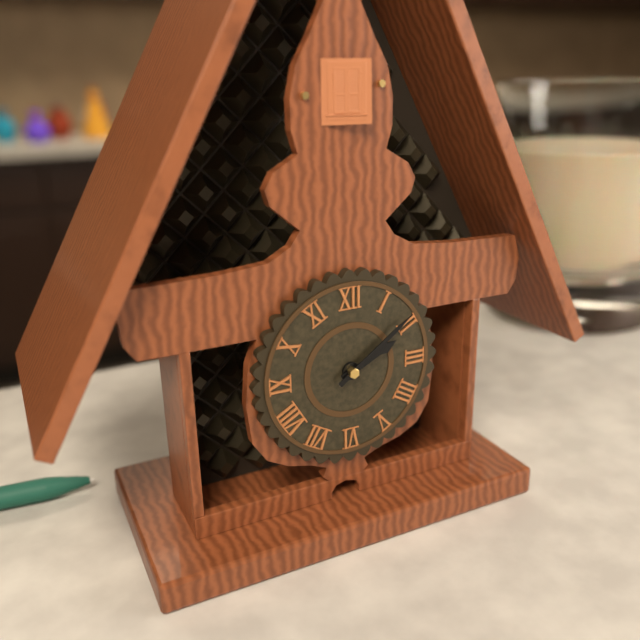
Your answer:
h=2 m=9
